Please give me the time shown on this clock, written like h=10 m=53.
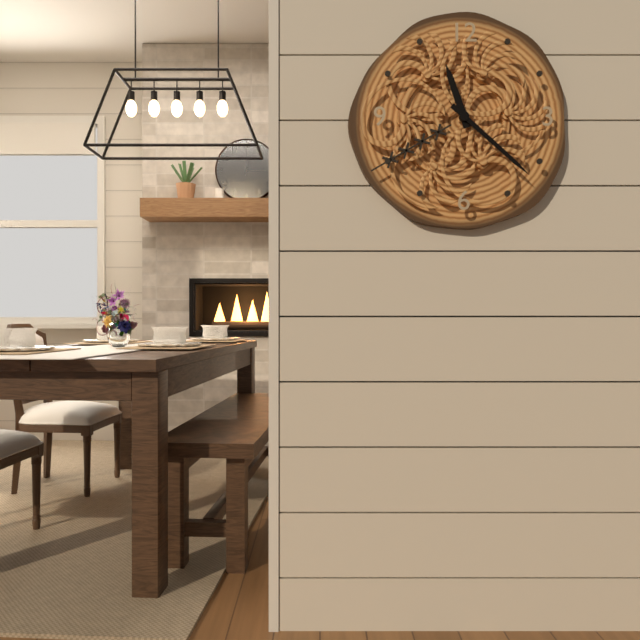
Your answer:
h=11 m=22
